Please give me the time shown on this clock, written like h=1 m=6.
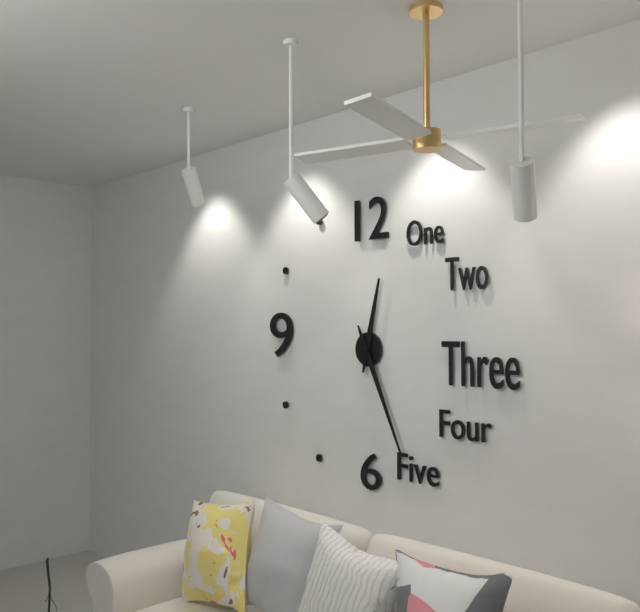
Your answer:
h=12 m=26
